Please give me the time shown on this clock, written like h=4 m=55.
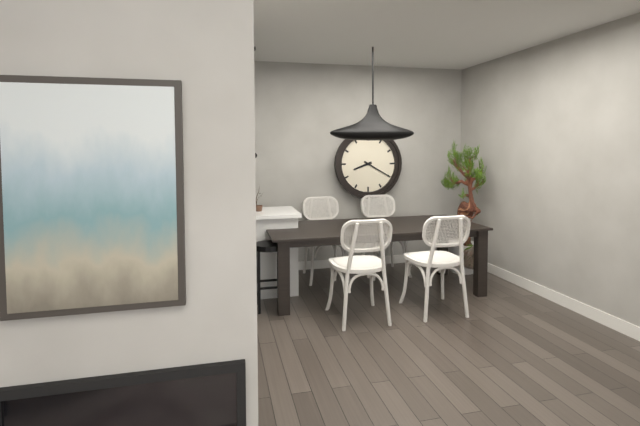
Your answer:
h=8 m=20
